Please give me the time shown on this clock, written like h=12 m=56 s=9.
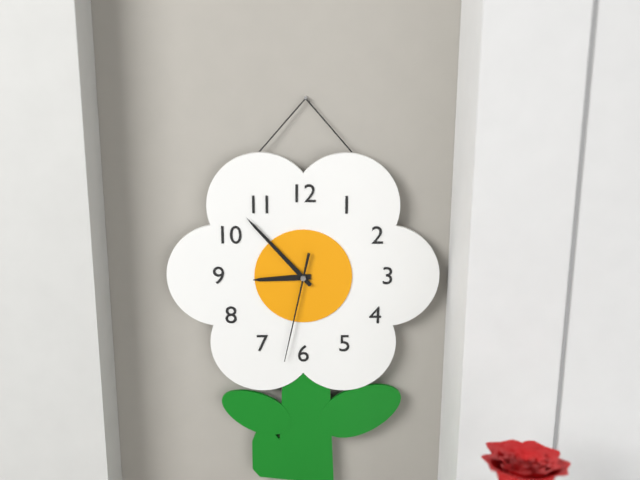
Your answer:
h=8 m=53 s=32
